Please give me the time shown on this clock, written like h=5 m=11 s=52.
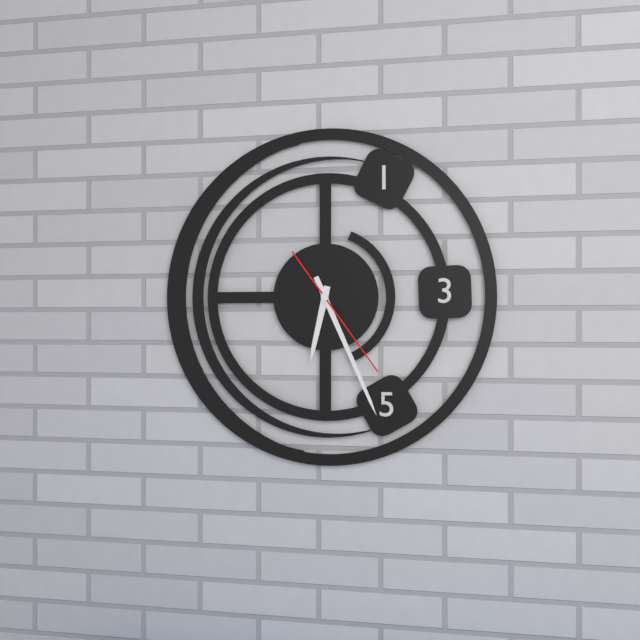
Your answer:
h=6 m=26 s=24
